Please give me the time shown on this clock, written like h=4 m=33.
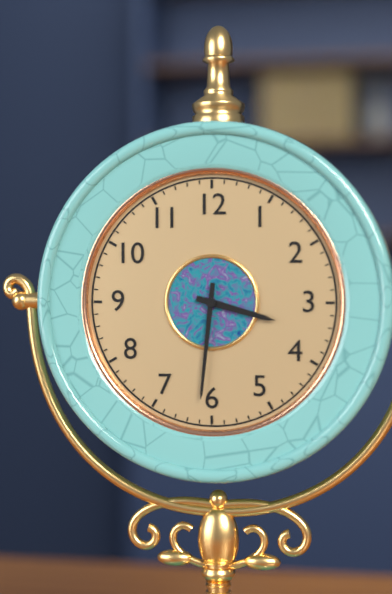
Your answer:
h=3 m=31
